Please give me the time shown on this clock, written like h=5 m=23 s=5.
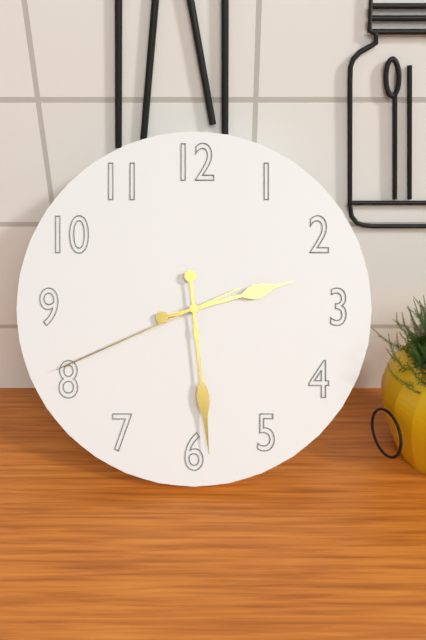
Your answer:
h=2 m=29 s=41
